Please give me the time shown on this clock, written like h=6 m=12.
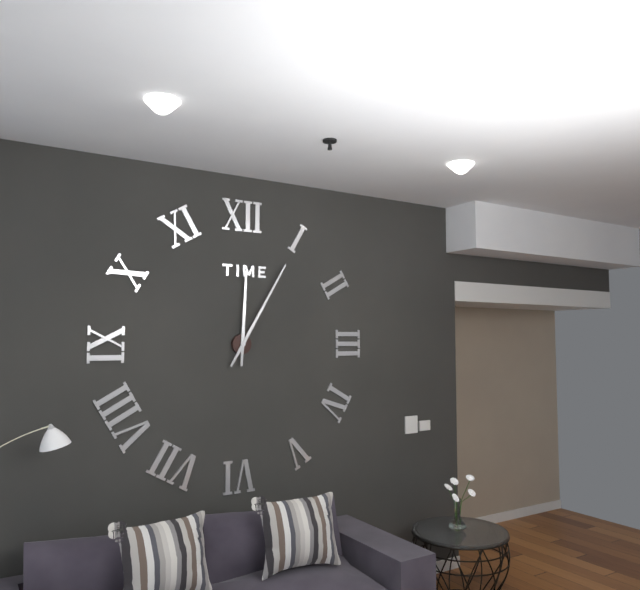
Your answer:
h=12 m=5
